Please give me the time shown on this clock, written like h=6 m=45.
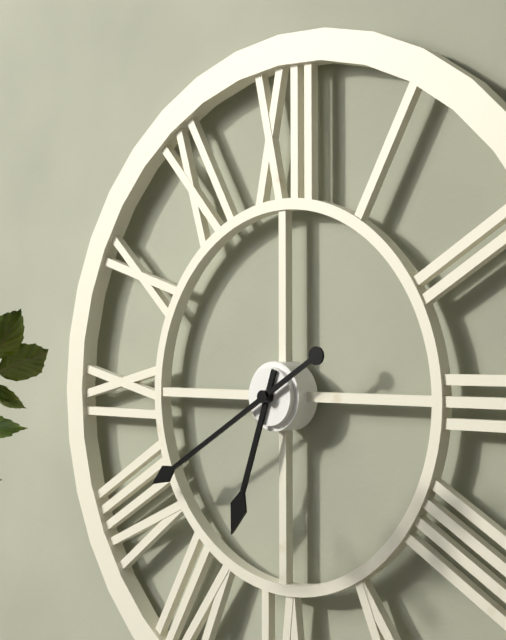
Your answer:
h=6 m=40
